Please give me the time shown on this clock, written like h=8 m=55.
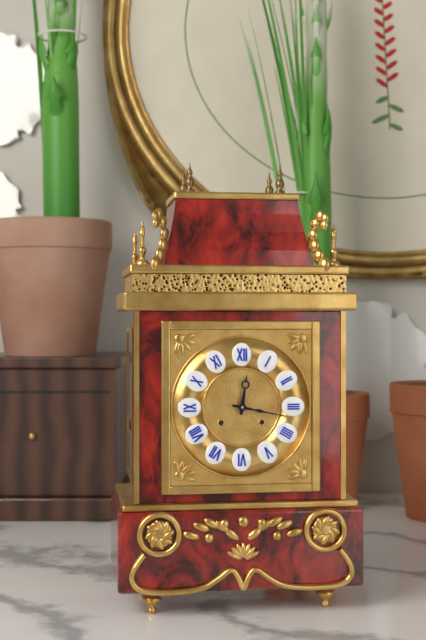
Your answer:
h=12 m=17
